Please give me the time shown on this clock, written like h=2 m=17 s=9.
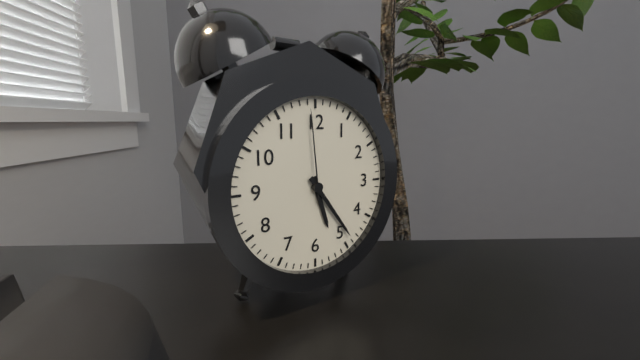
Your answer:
h=5 m=24 s=59
